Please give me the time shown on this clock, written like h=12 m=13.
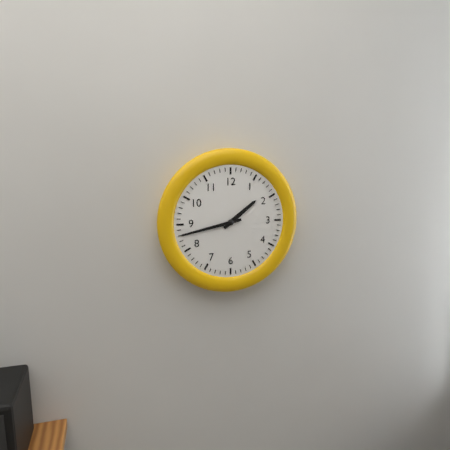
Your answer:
h=1 m=43
